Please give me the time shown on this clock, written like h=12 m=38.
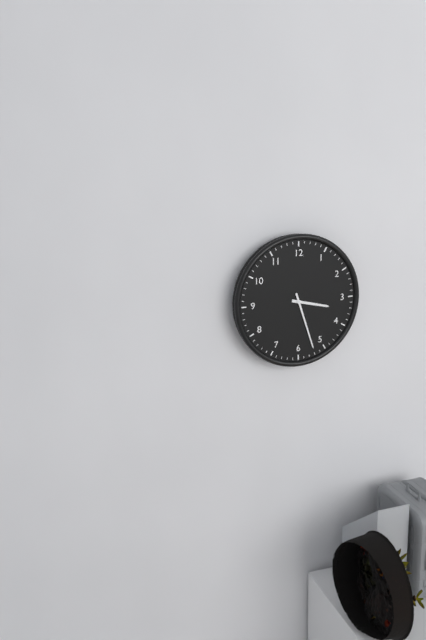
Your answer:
h=3 m=27
